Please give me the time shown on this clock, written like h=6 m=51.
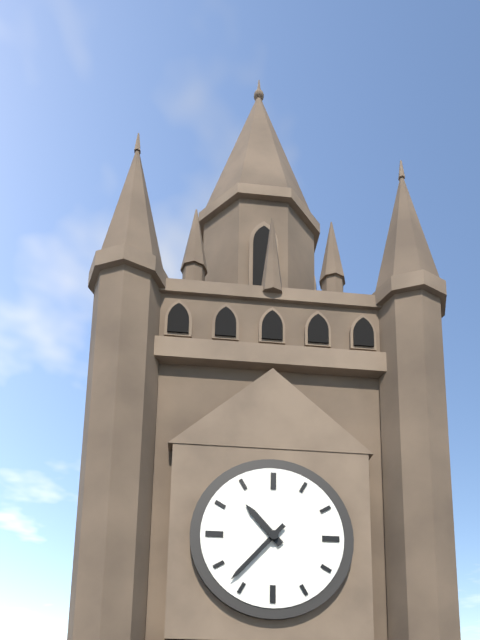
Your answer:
h=10 m=37
